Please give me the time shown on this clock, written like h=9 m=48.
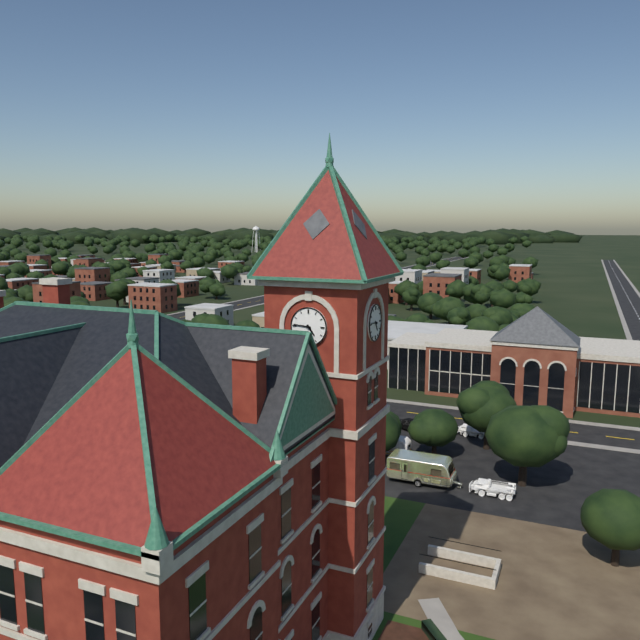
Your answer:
h=4 m=46
